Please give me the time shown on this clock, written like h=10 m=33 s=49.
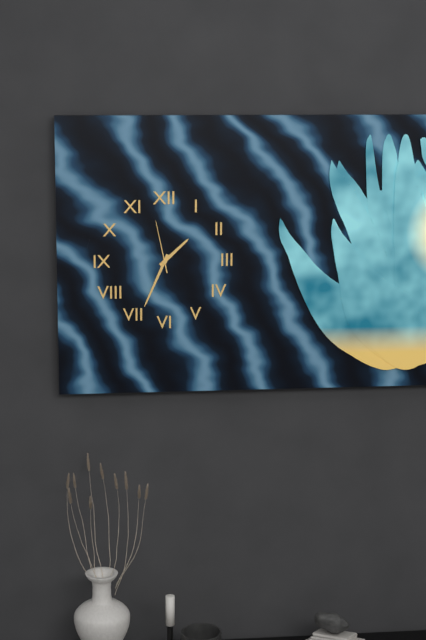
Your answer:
h=1 m=34 s=58
